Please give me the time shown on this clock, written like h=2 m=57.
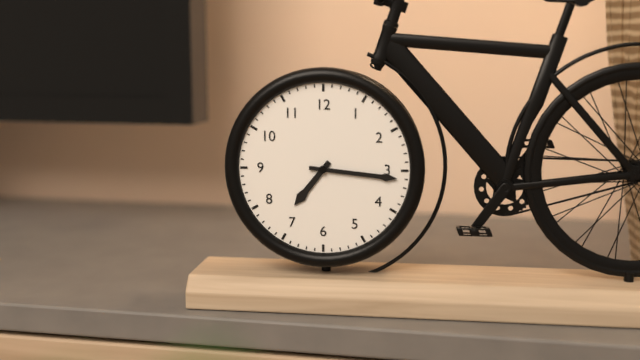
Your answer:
h=7 m=16
